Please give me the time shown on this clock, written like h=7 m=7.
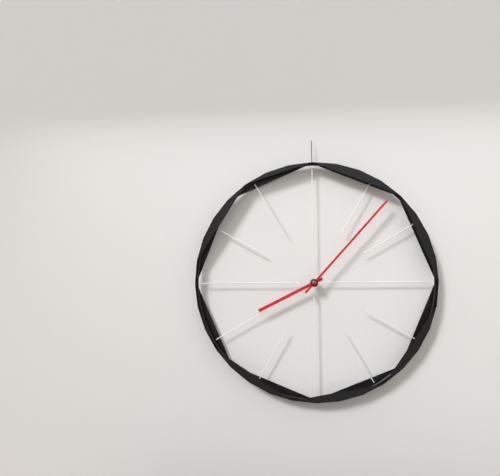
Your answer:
h=8 m=7
